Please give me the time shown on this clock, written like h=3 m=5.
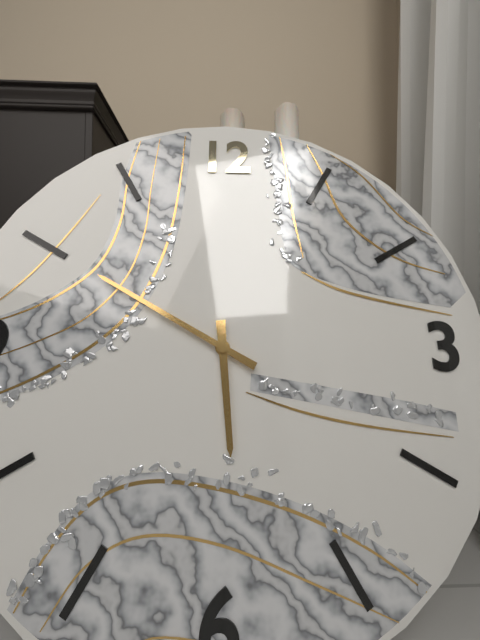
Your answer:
h=5 m=50
